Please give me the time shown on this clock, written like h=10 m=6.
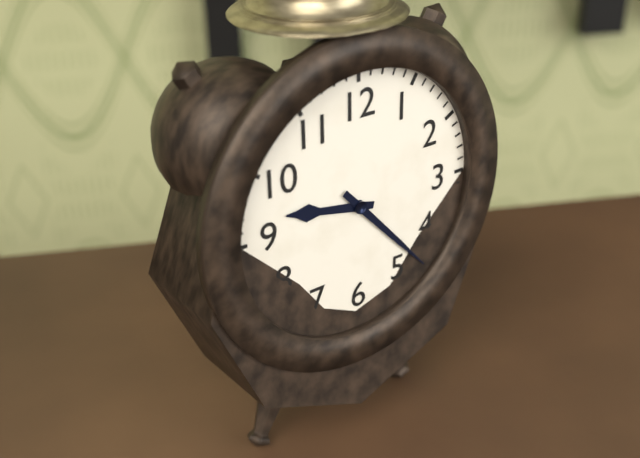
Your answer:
h=9 m=23
